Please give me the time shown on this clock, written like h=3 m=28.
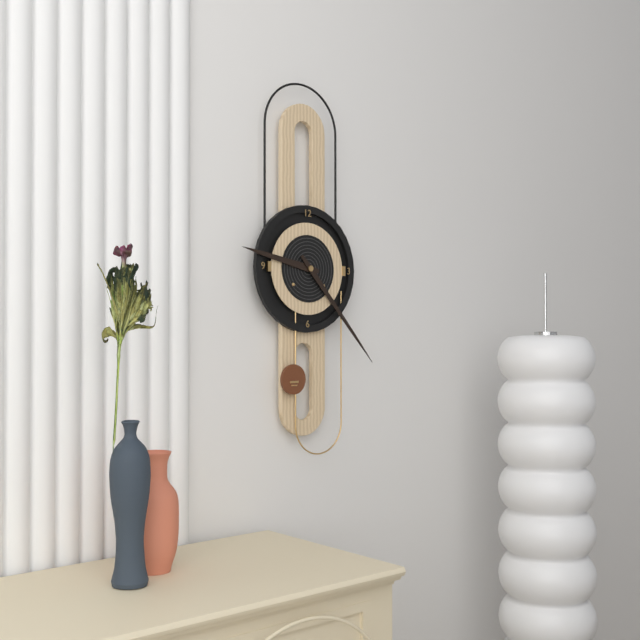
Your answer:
h=9 m=23
